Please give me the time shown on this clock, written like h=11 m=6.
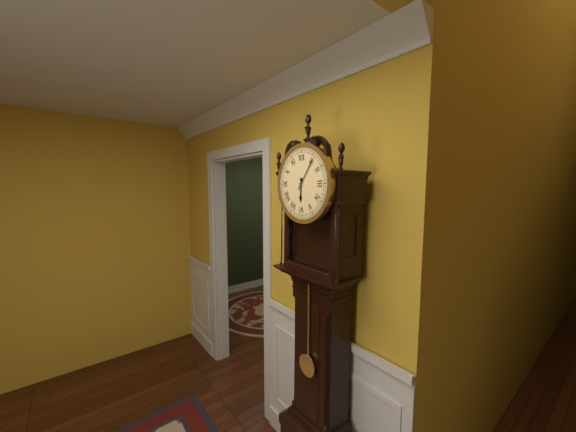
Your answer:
h=6 m=6
